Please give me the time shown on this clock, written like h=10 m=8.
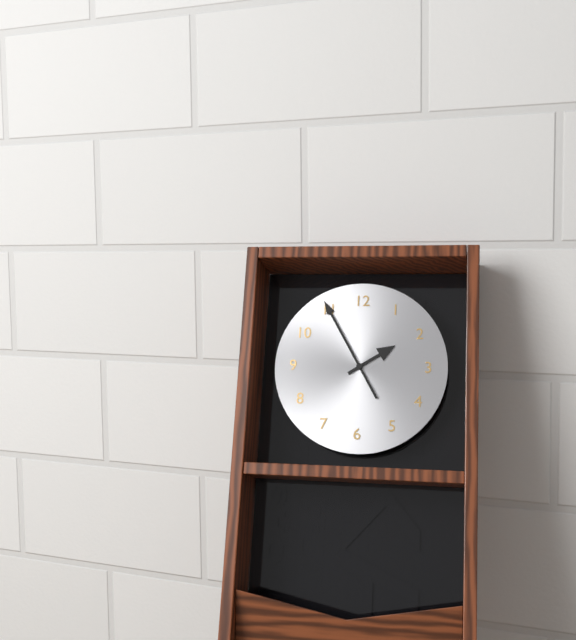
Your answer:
h=1 m=55
